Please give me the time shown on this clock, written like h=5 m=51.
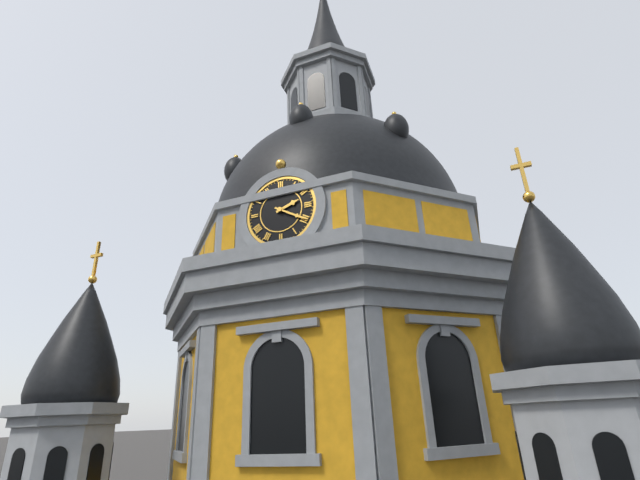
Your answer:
h=2 m=20
